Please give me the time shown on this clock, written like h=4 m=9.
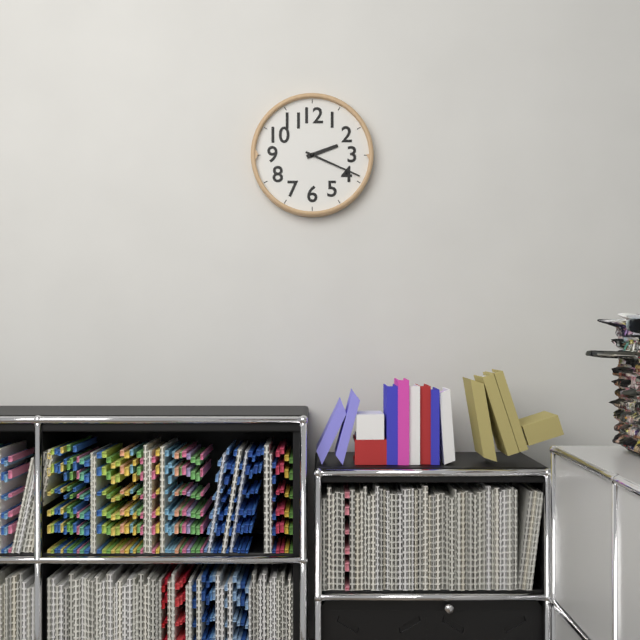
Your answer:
h=2 m=19
